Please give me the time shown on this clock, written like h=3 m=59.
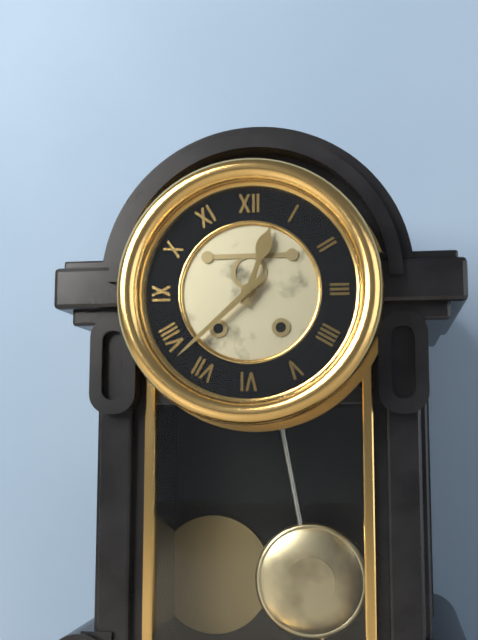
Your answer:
h=12 m=38
